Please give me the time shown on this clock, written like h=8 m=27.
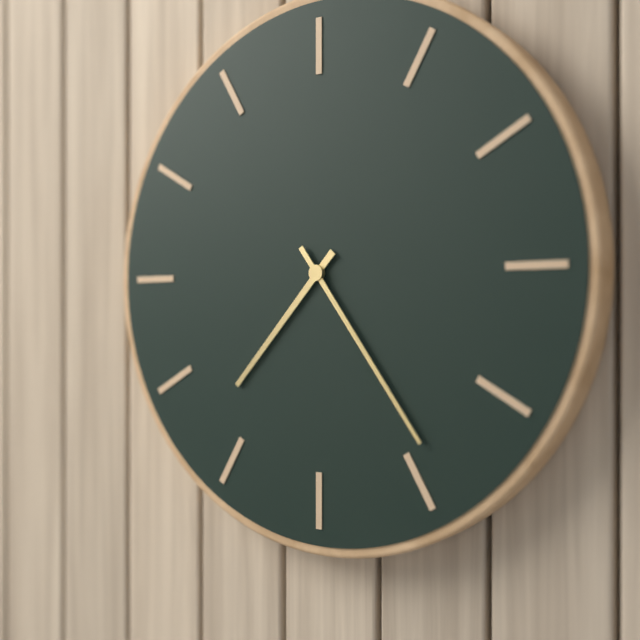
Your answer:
h=7 m=24
